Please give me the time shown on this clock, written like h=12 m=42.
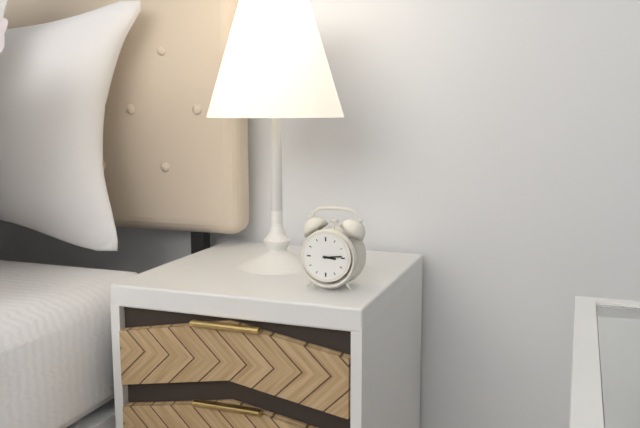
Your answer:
h=3 m=14
